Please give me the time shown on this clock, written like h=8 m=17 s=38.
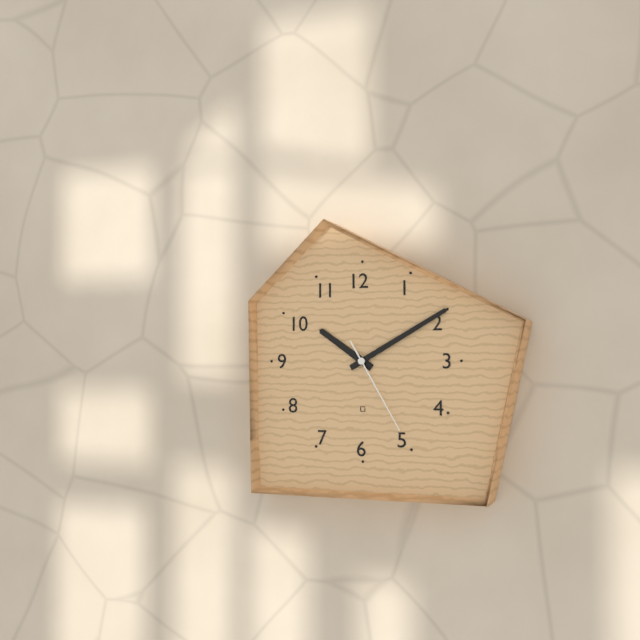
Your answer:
h=10 m=10 s=25
